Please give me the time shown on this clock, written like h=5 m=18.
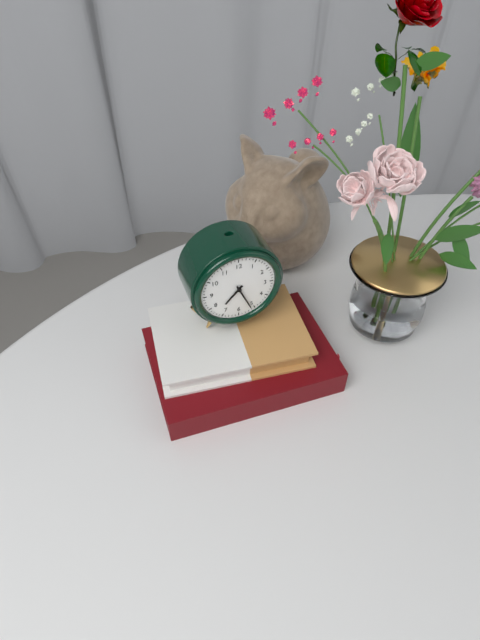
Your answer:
h=7 m=26
